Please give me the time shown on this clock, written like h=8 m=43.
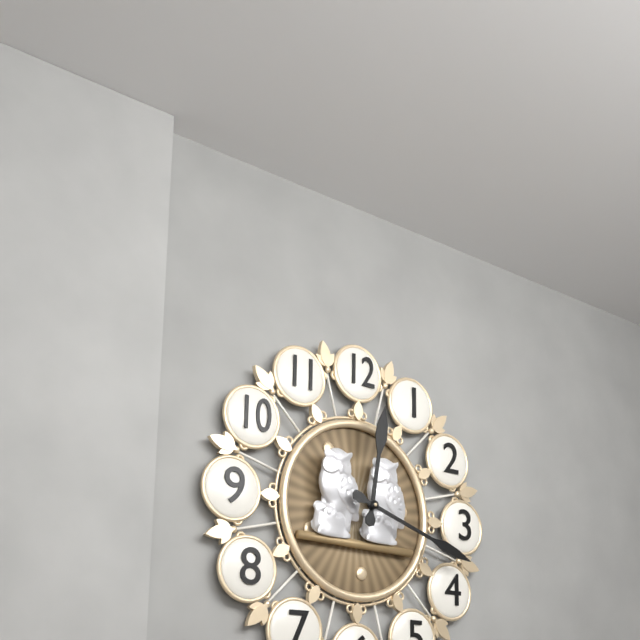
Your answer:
h=12 m=18
